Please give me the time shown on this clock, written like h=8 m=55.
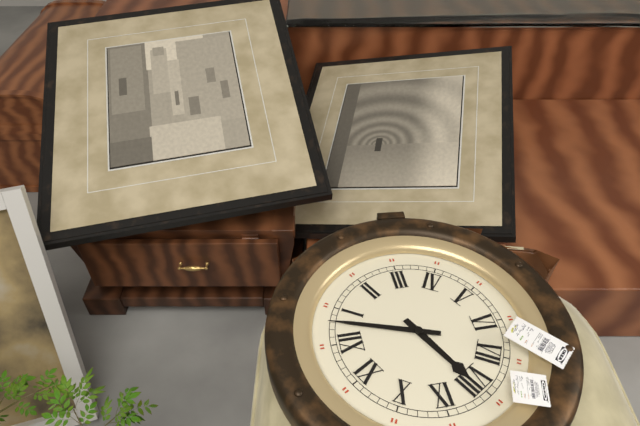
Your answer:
h=8 m=3
